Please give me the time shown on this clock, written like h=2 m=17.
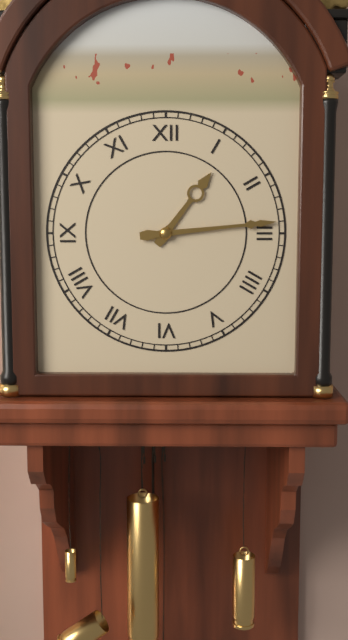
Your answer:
h=1 m=14
